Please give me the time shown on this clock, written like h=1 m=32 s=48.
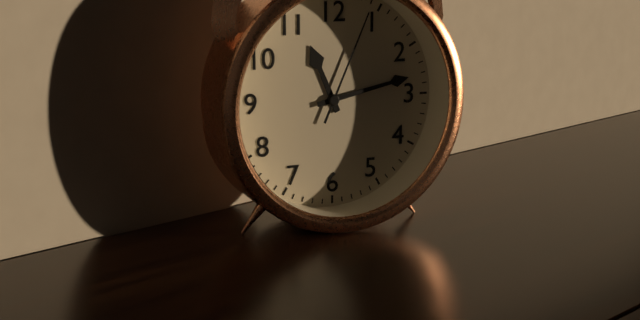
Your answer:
h=11 m=13 s=4
